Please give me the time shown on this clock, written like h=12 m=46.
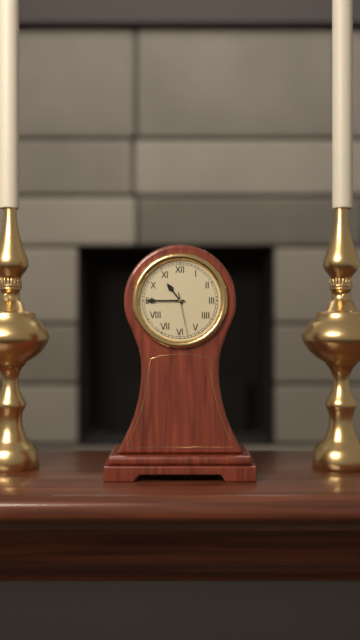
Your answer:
h=10 m=45
